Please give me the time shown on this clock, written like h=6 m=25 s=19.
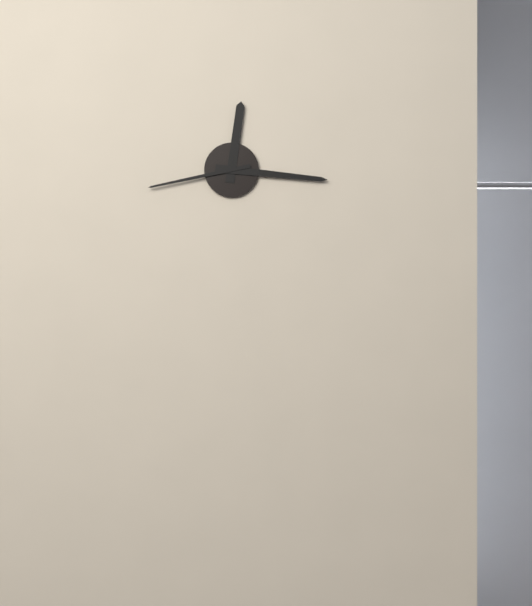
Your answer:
h=12 m=16 s=43
